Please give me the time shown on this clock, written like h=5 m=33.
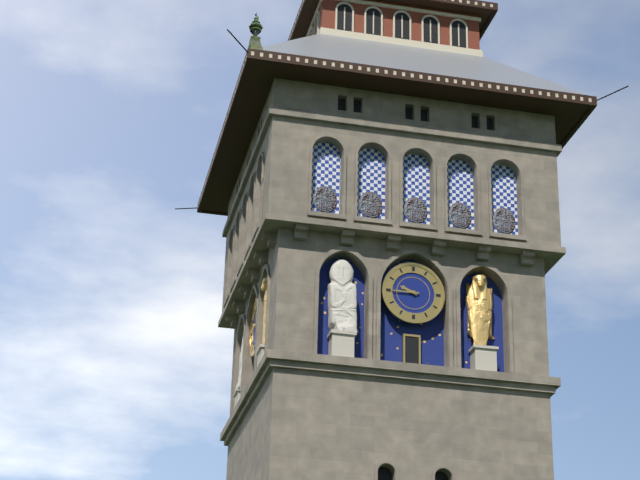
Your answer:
h=9 m=45
